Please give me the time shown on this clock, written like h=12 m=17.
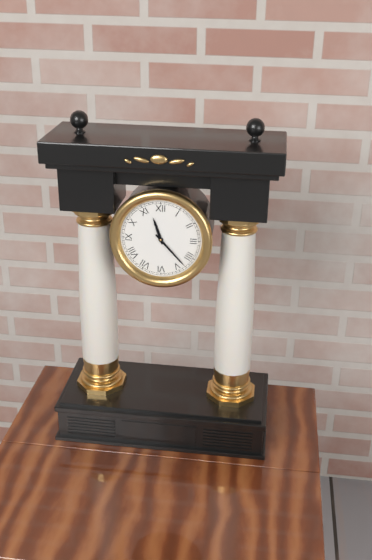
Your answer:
h=11 m=23
